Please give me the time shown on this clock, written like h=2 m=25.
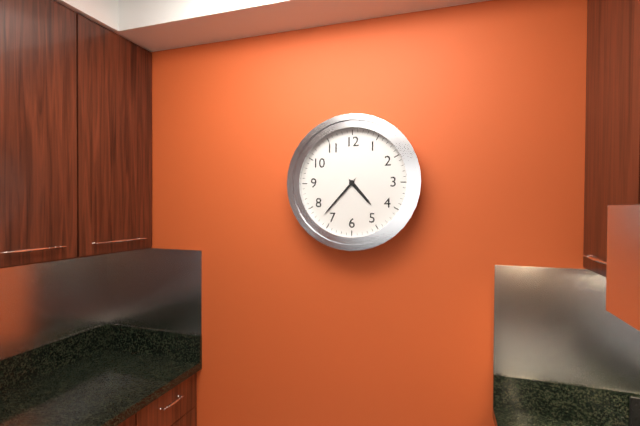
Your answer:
h=4 m=37
